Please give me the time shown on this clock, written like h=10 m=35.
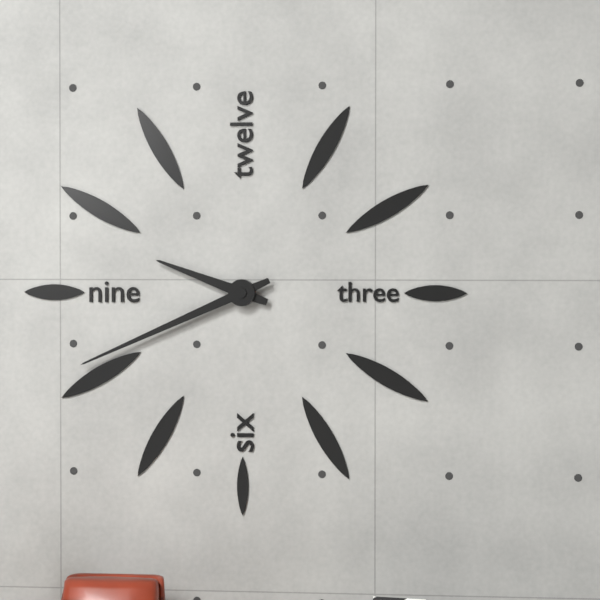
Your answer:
h=9 m=41
